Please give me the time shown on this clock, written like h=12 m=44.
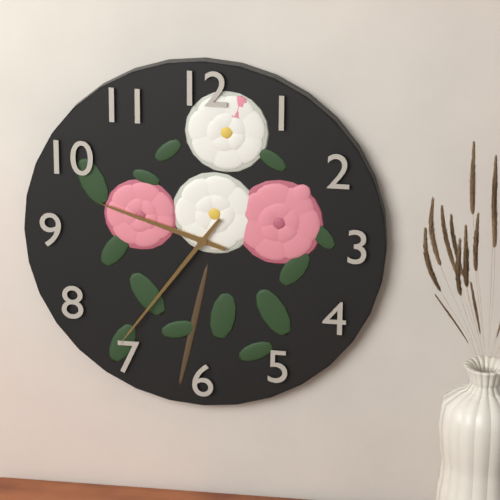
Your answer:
h=9 m=36
